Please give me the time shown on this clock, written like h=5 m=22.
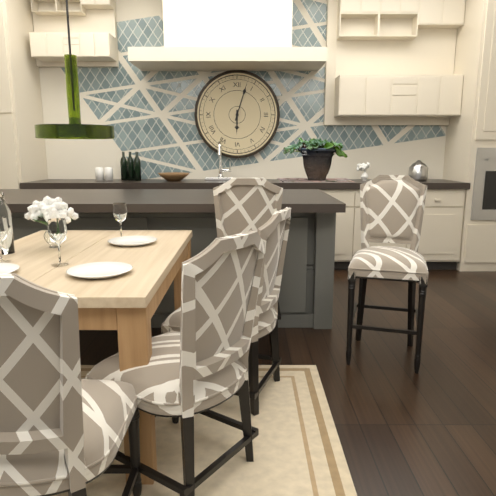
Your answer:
h=6 m=3
